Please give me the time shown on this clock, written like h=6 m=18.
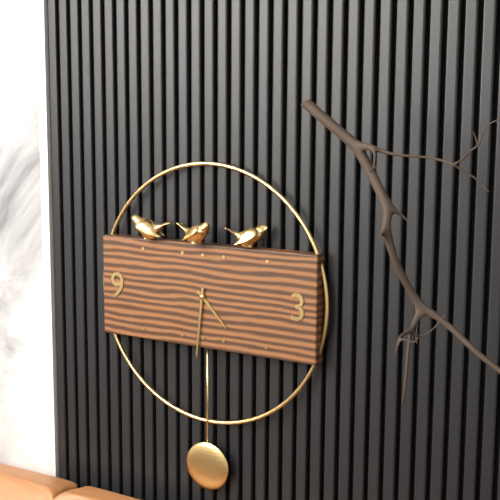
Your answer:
h=4 m=31
